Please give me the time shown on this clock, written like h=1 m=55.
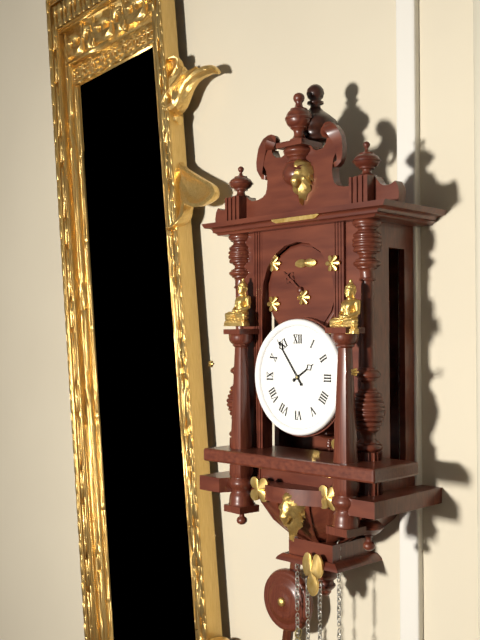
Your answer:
h=1 m=54
